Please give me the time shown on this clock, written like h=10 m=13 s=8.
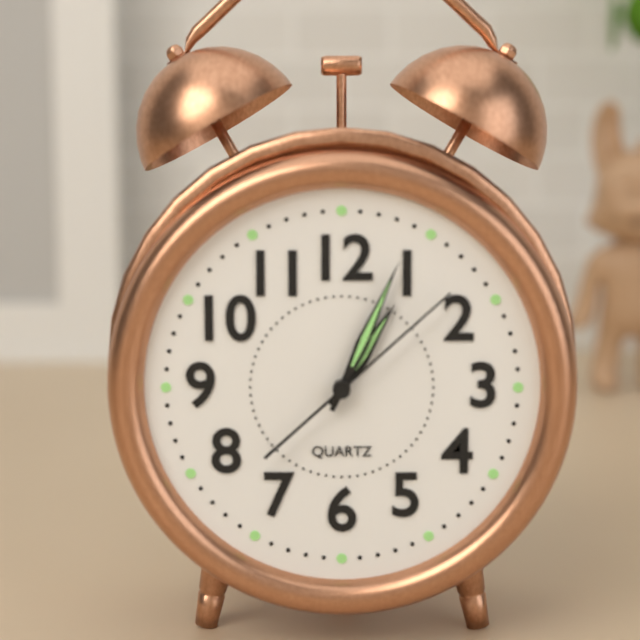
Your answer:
h=1 m=4 s=8
